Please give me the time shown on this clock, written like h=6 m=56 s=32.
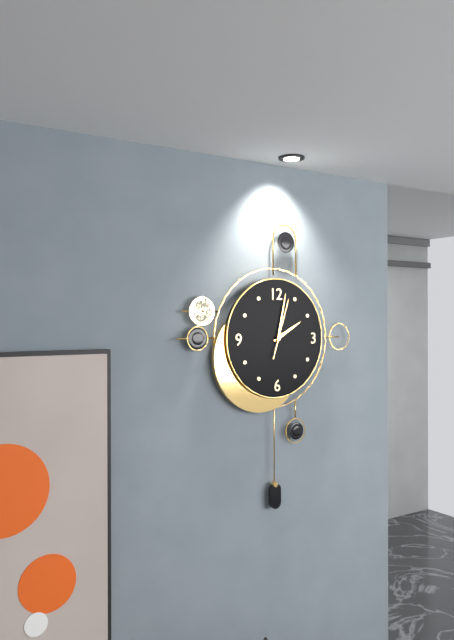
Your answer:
h=2 m=2 s=3
